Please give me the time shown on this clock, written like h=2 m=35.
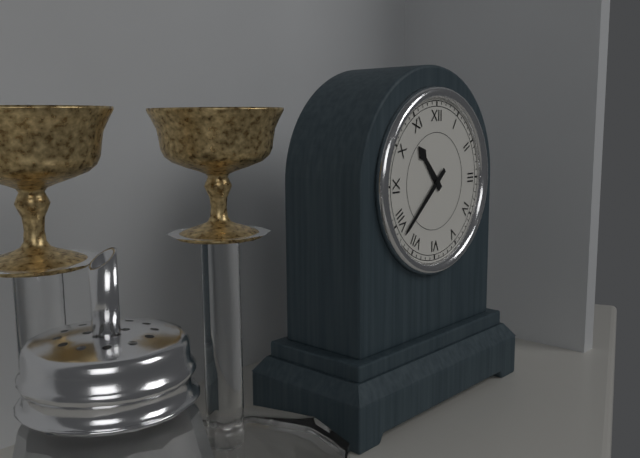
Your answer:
h=10 m=38
